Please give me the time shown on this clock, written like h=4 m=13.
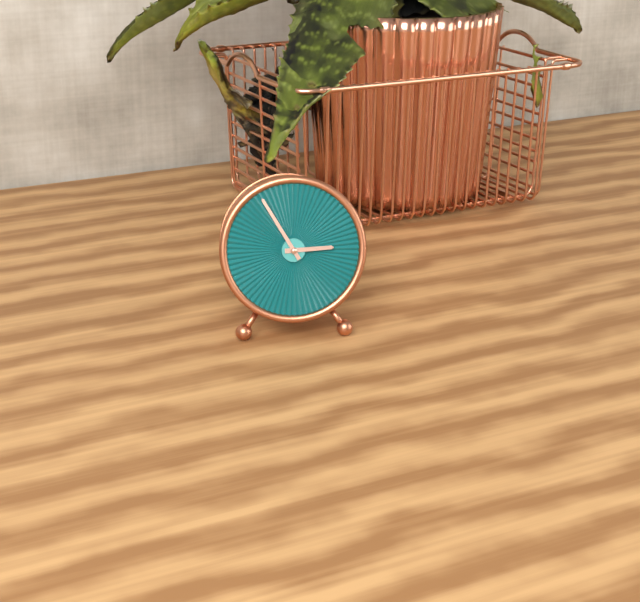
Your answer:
h=2 m=55
